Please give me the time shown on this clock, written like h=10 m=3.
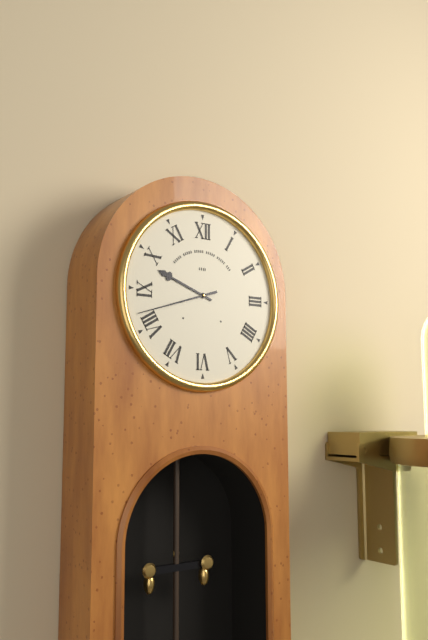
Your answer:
h=9 m=42
